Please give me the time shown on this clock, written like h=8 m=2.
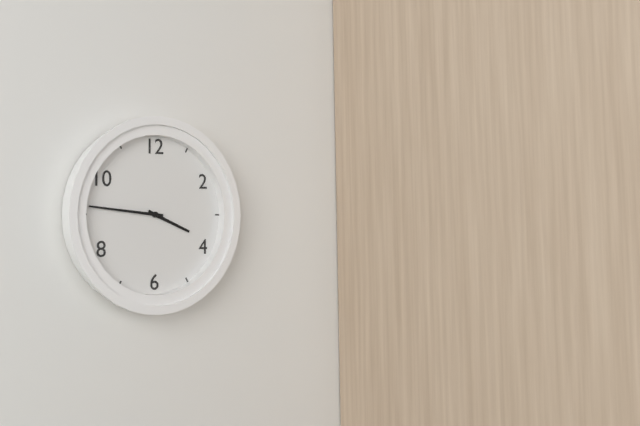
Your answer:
h=3 m=46
